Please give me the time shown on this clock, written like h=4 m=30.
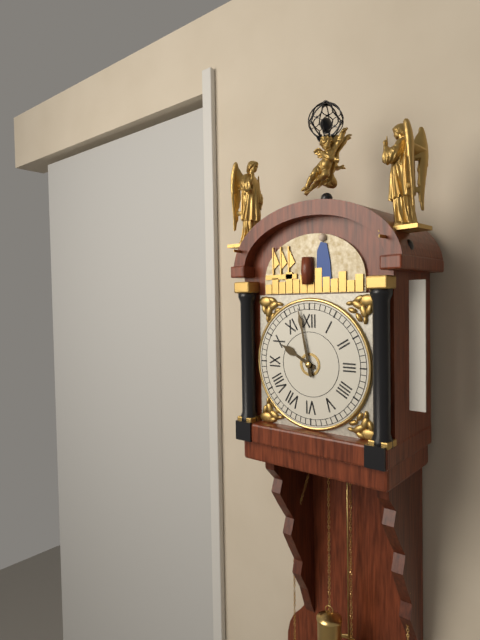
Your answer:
h=9 m=58
